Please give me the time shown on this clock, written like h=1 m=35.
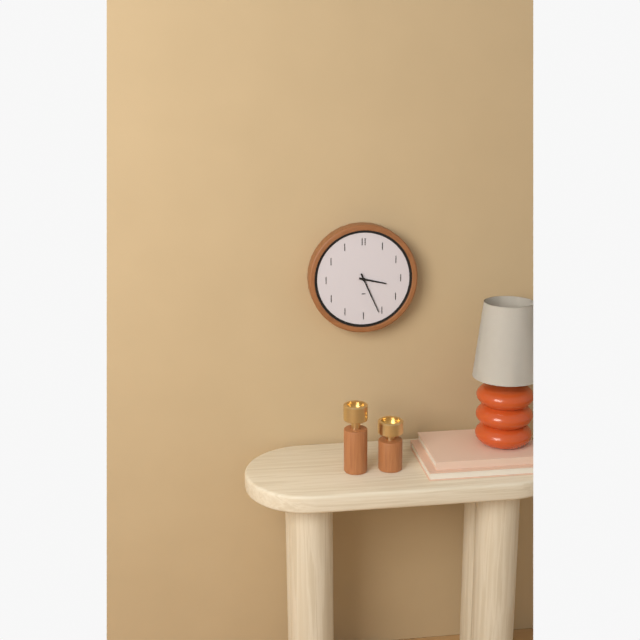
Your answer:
h=3 m=26
